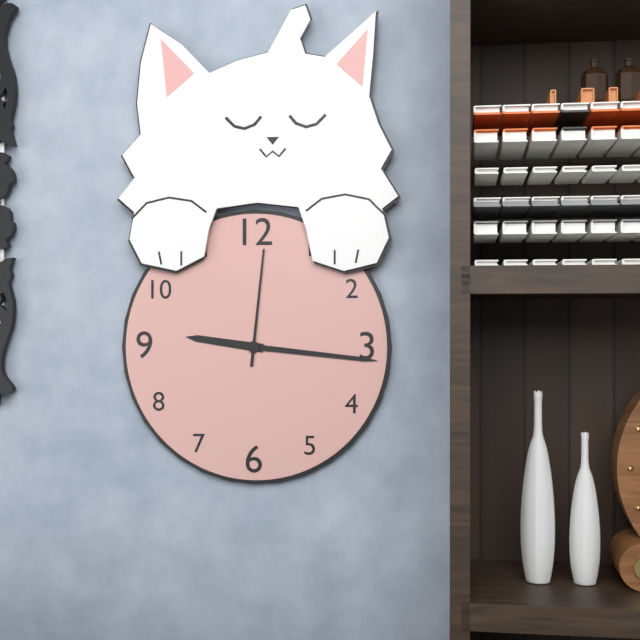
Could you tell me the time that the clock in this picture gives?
9:16:01
